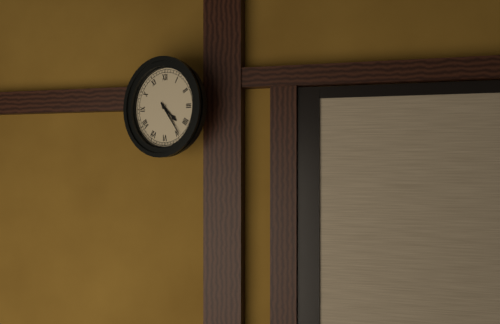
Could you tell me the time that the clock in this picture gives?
4:24
